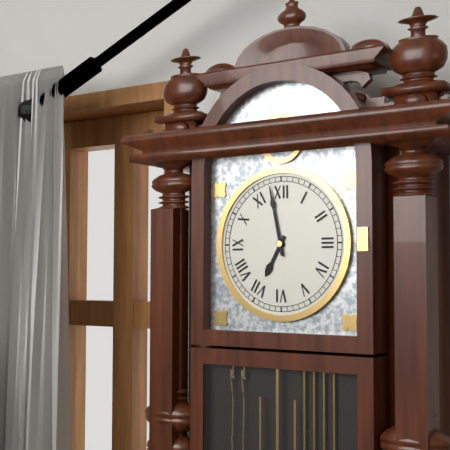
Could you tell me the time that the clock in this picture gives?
6:58
